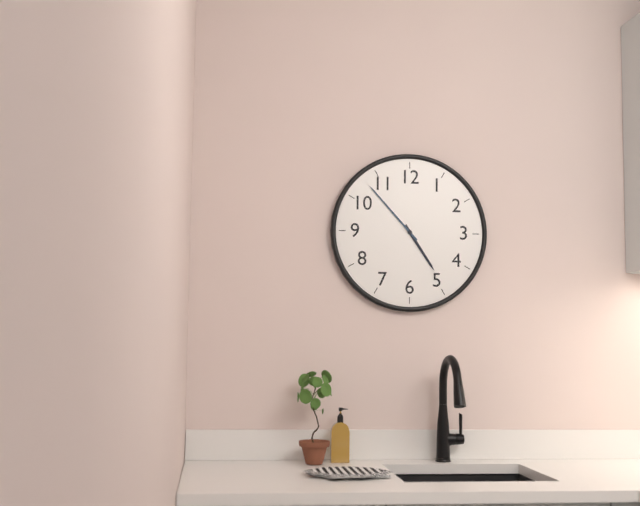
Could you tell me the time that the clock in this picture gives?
4:53
